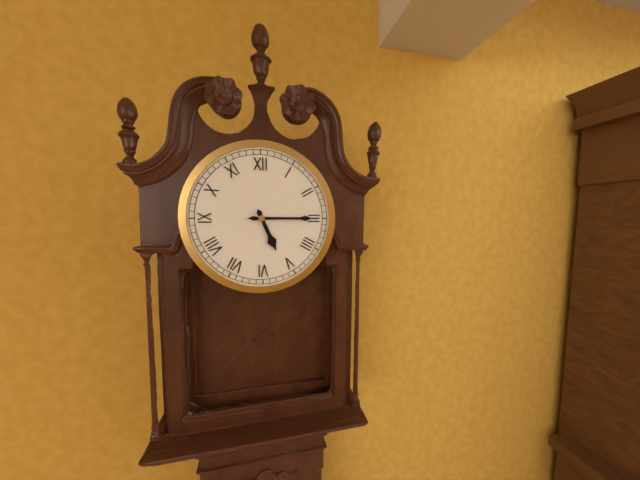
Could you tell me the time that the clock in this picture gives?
5:15
